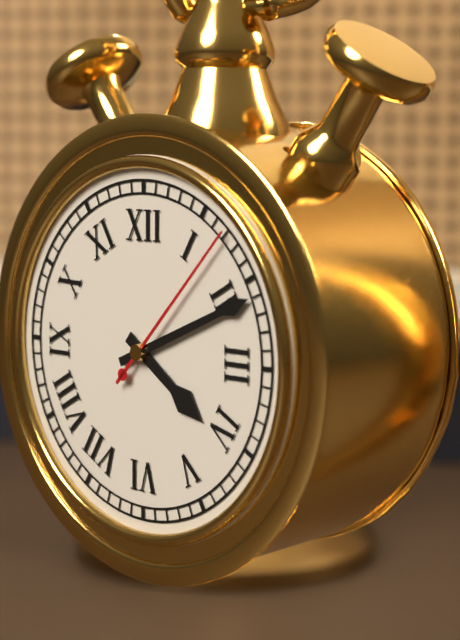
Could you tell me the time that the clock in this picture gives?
4:11:07
